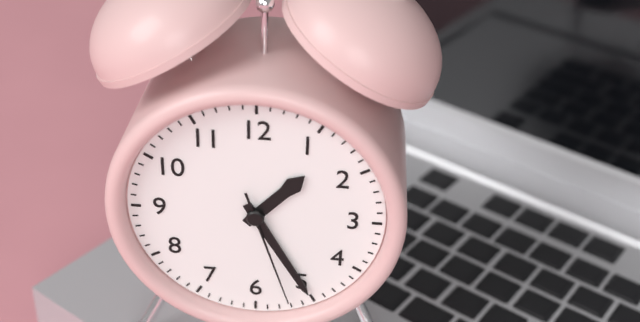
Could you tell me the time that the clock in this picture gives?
1:25:27
